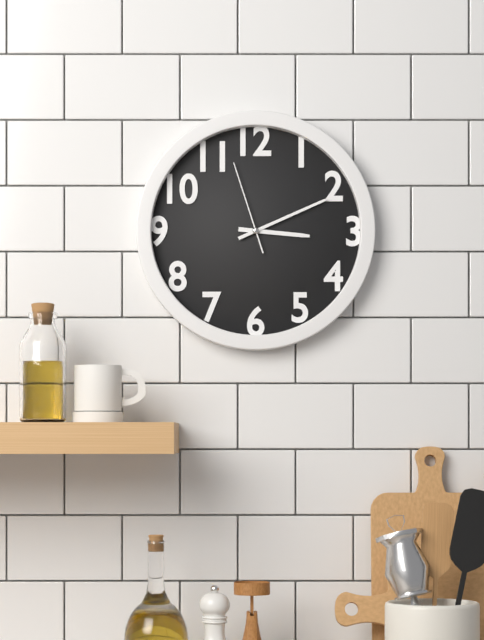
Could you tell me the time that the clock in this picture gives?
3:11:57
